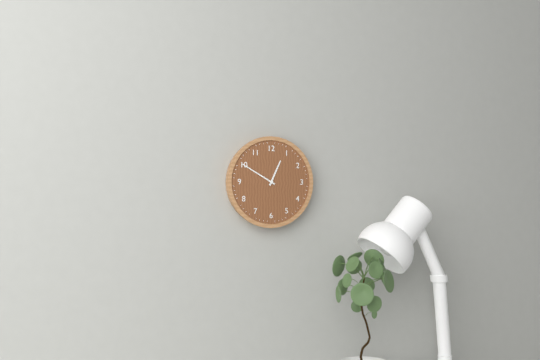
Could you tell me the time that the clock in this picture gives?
12:50
